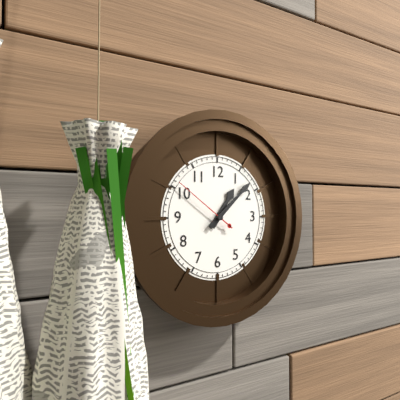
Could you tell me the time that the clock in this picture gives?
1:08:51
